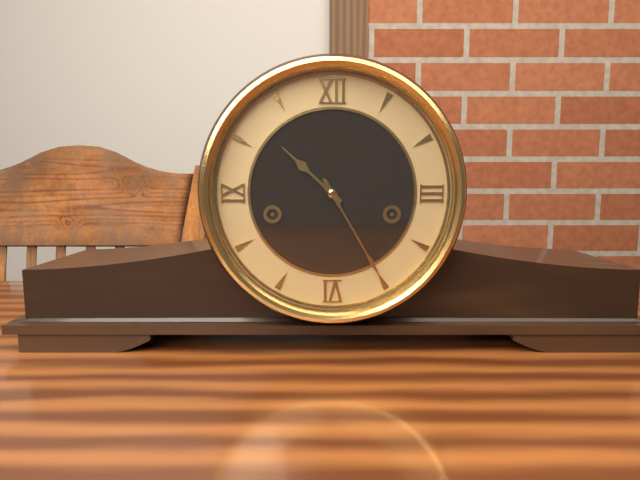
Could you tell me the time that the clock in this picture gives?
10:25
